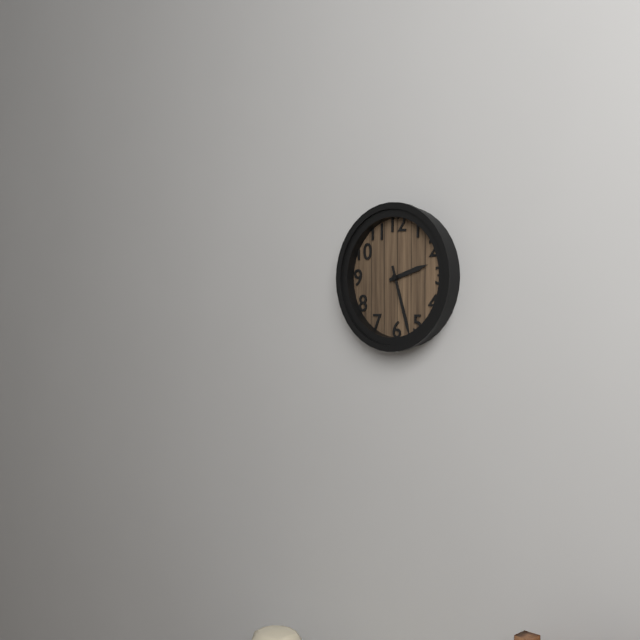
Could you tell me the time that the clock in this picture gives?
2:27
